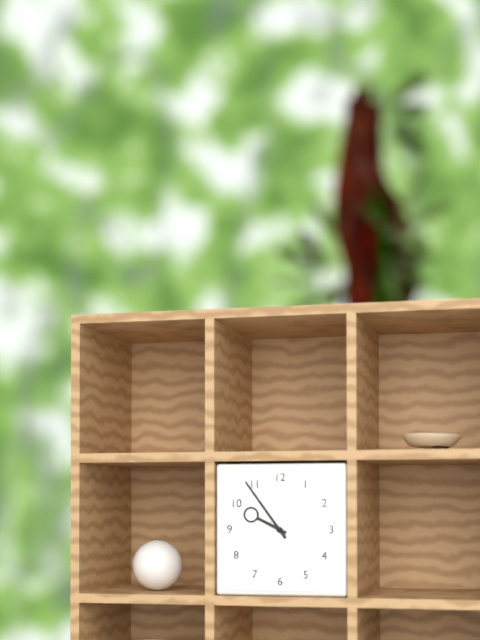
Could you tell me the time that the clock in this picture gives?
9:54
